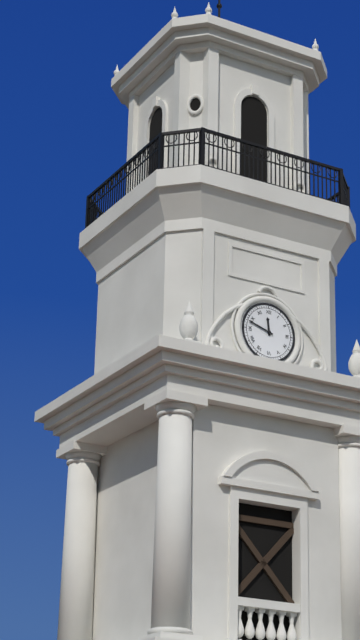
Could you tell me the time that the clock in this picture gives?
11:48
